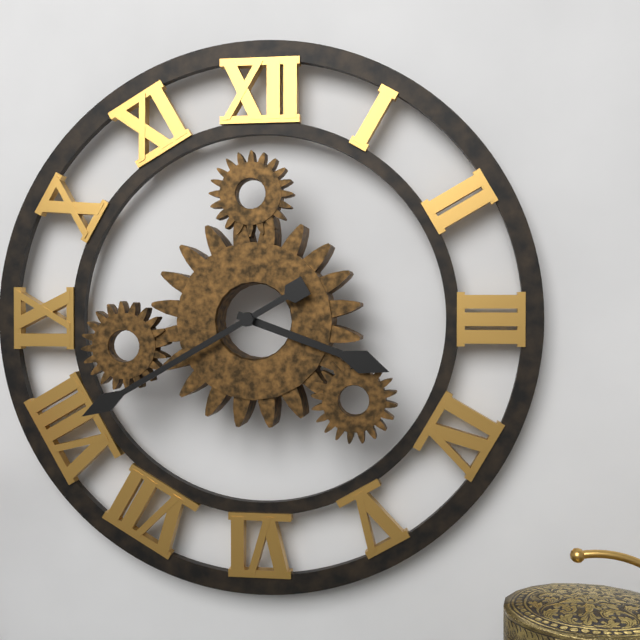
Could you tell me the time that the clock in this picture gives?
3:40
